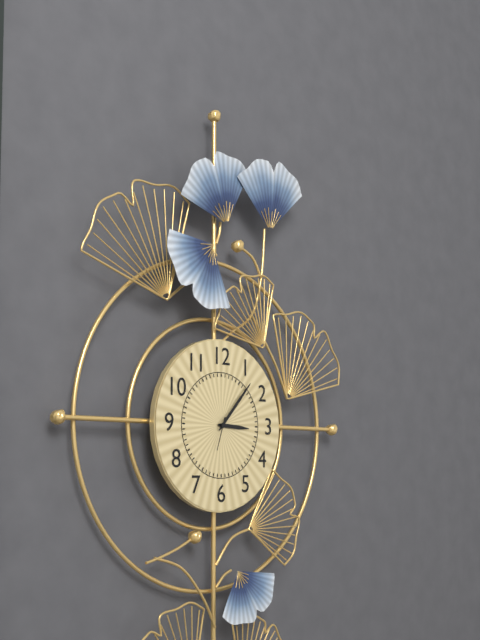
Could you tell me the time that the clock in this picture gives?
3:07
